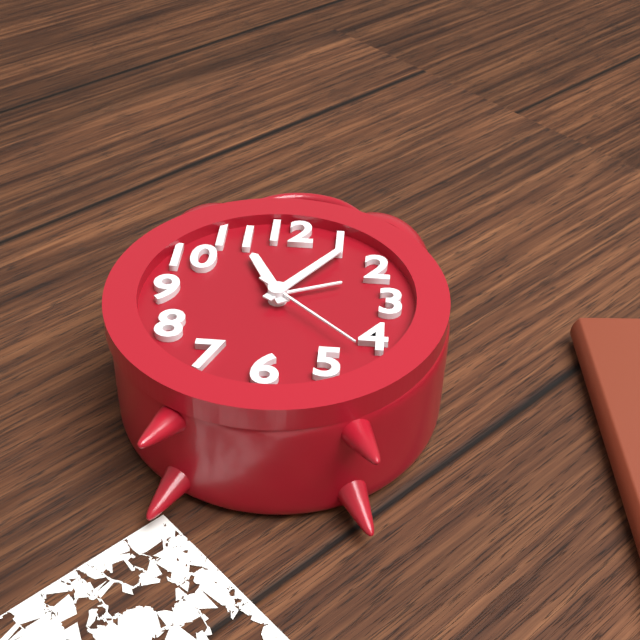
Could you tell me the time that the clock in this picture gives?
11:06:22
